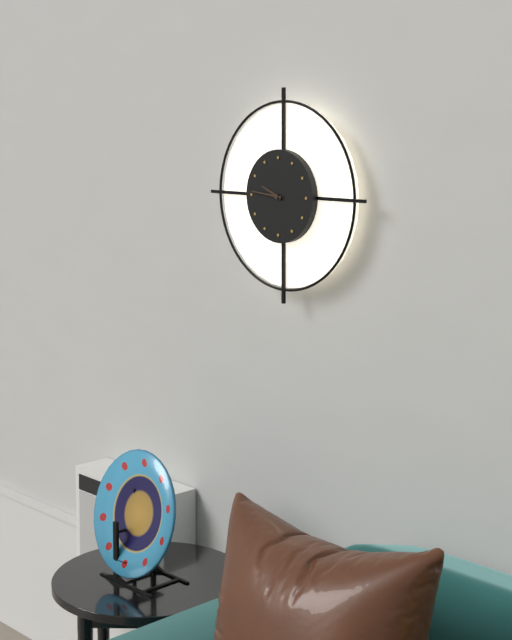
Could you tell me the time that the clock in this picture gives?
9:46
